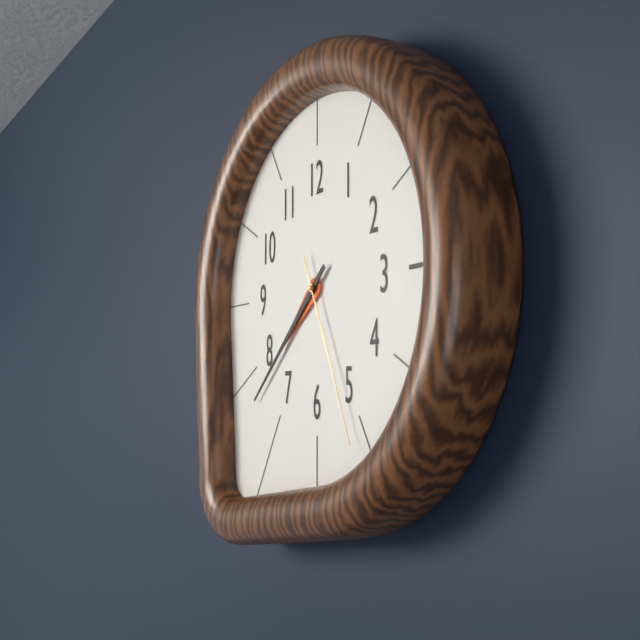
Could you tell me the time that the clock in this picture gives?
7:38:26
